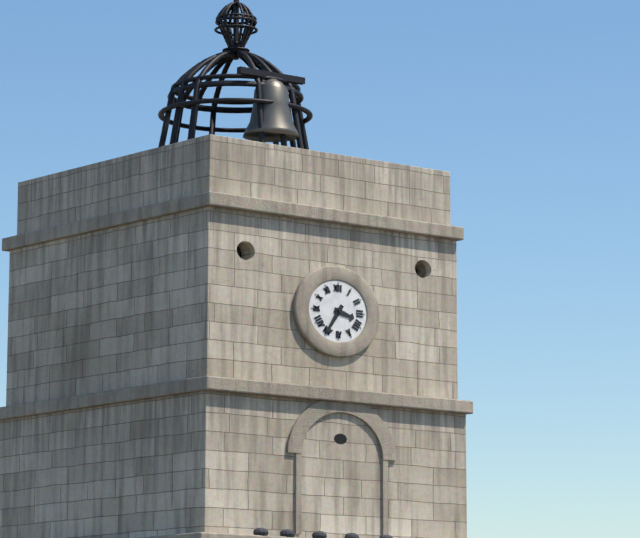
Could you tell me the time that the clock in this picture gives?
3:35
